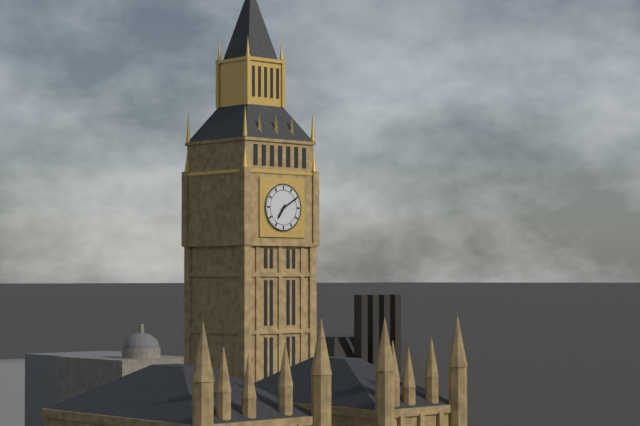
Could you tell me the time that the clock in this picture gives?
7:10
